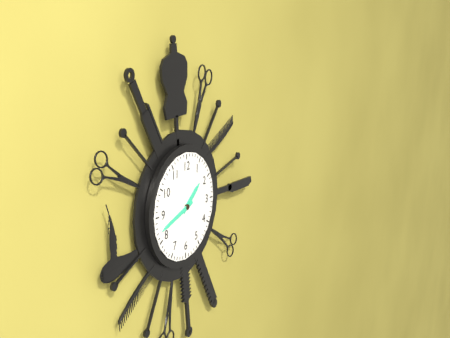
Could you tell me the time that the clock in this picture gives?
1:42
